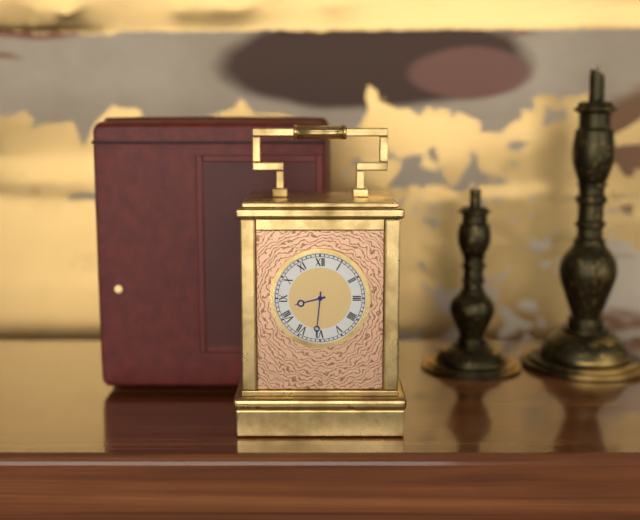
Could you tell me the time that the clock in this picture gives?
8:31
